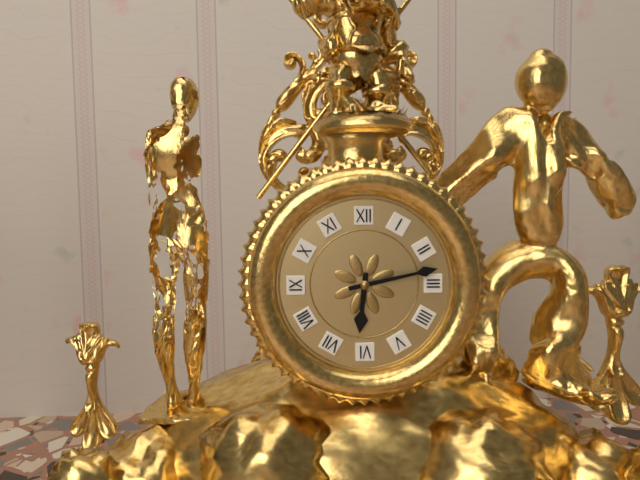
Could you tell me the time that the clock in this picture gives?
6:13
